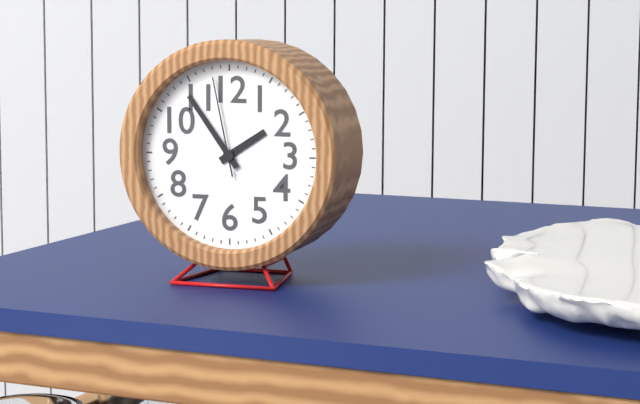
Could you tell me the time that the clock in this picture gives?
1:54:58
